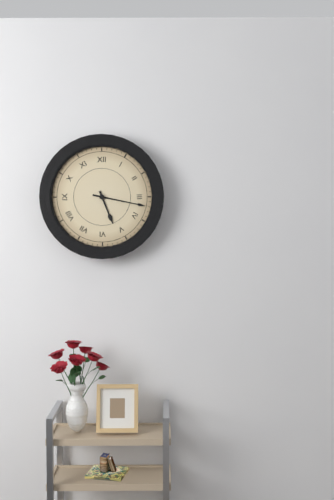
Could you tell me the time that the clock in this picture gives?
5:17
